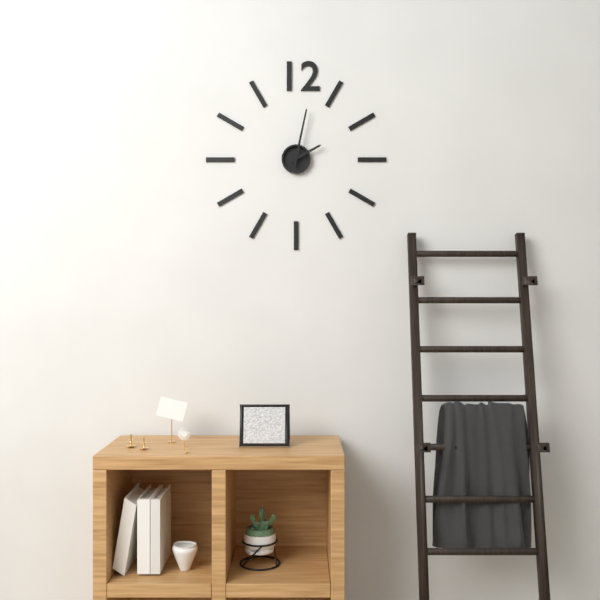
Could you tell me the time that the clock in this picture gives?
2:02
